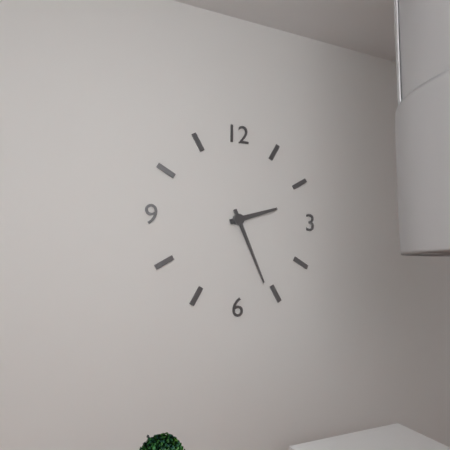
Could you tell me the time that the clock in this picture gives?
2:26
